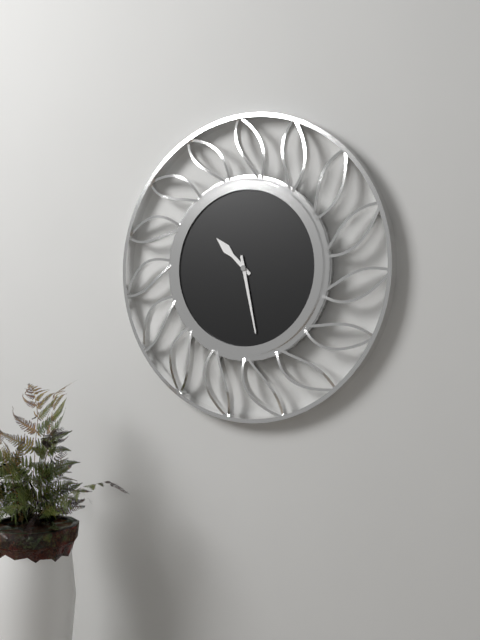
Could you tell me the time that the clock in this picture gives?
10:28
